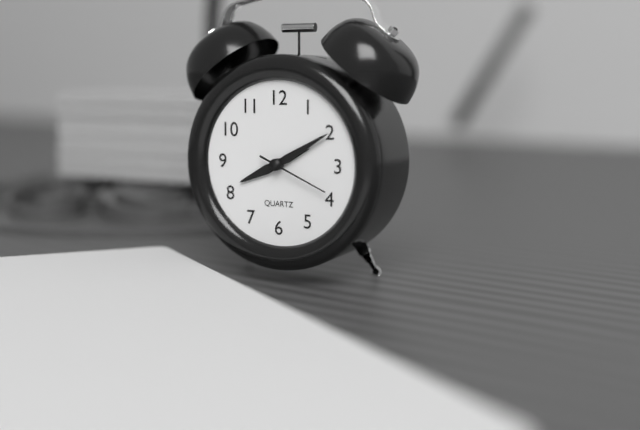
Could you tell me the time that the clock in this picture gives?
8:10:19
